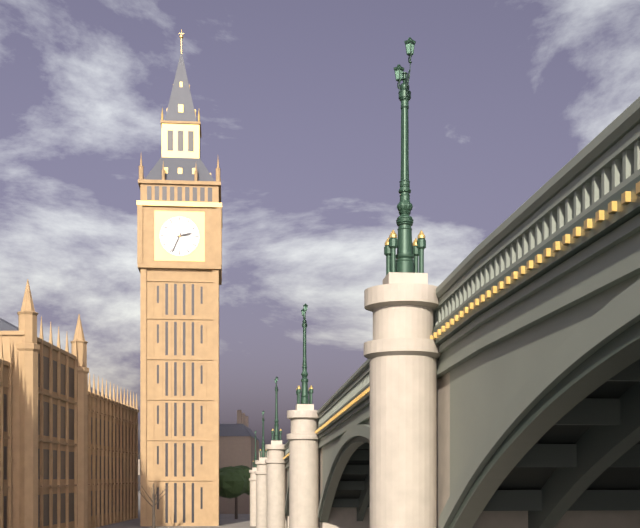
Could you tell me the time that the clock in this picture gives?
2:34
